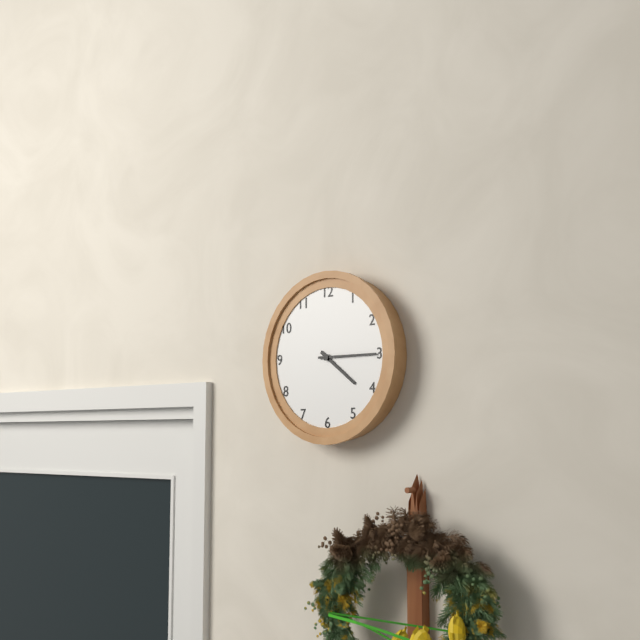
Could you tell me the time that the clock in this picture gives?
4:15
